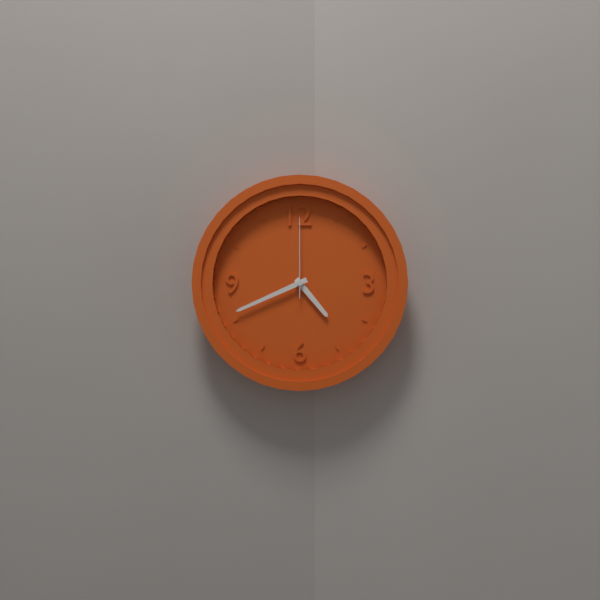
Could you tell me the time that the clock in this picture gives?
4:41:00
